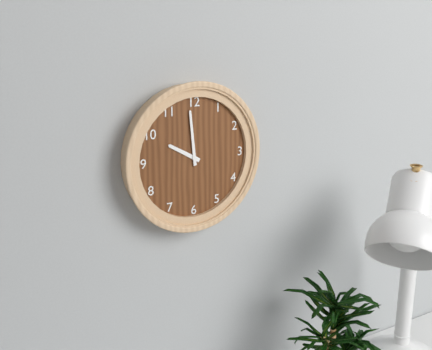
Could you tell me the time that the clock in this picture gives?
9:59
